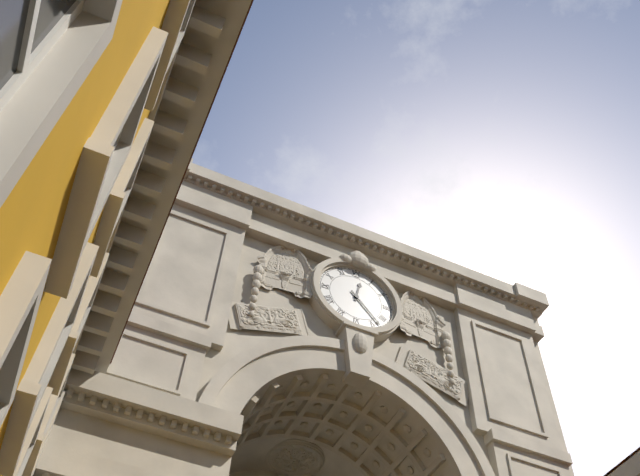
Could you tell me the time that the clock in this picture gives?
12:23
